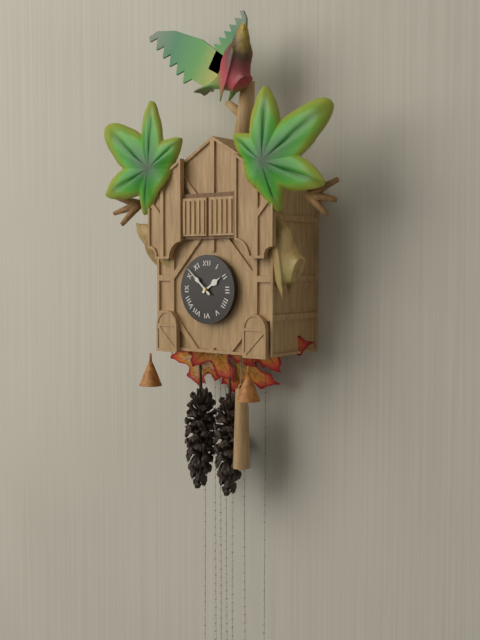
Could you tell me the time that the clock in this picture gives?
1:52
